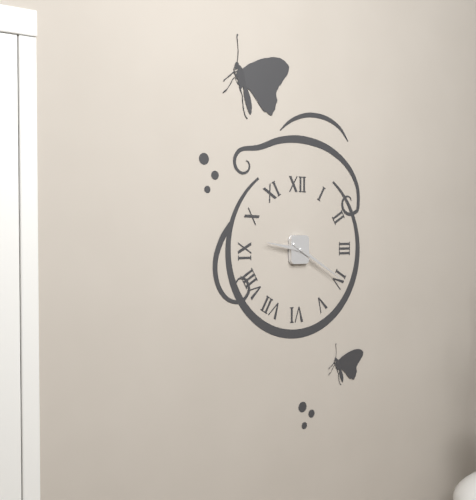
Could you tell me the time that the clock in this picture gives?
9:20
